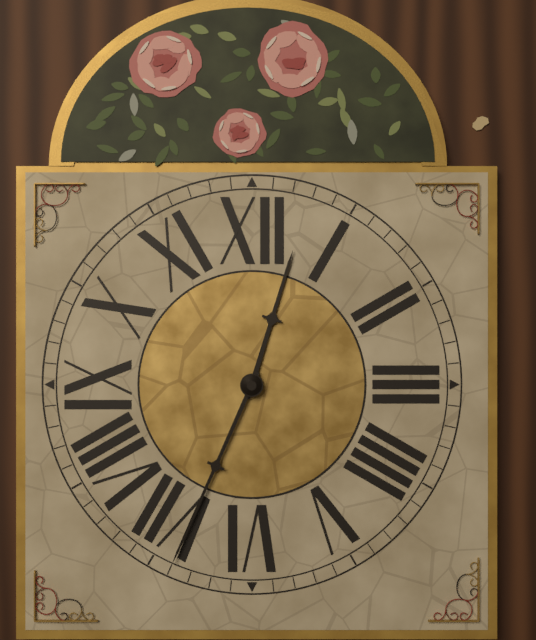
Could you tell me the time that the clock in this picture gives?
12:34
